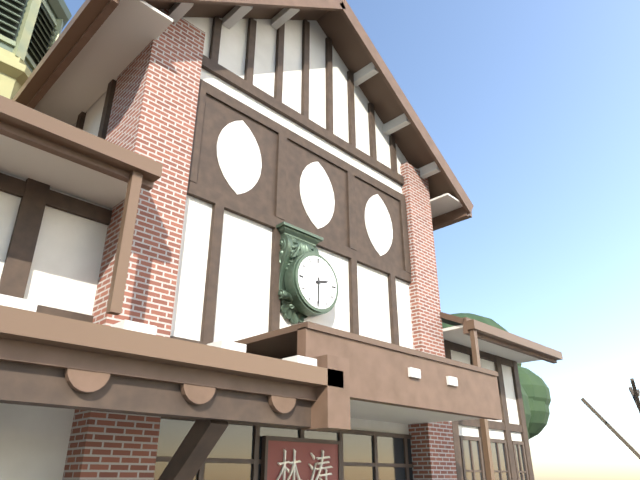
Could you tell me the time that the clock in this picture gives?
2:30
